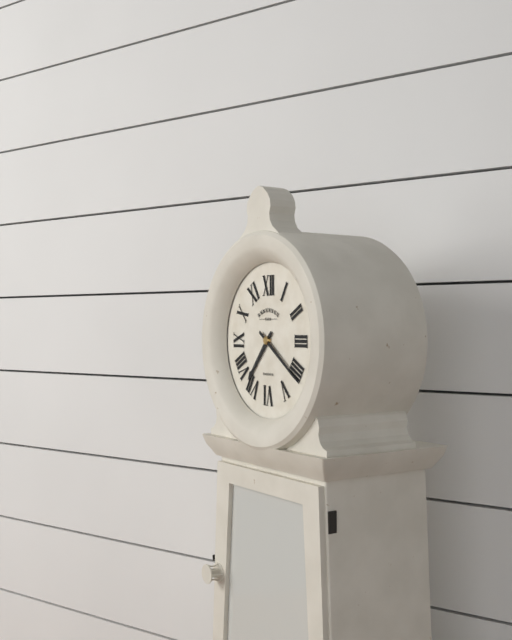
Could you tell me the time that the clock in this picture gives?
7:21
